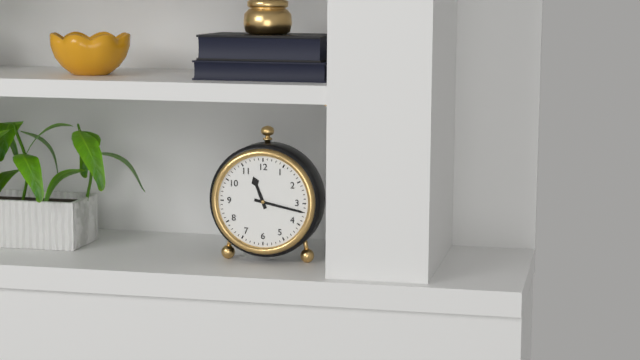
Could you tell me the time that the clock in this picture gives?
11:17
